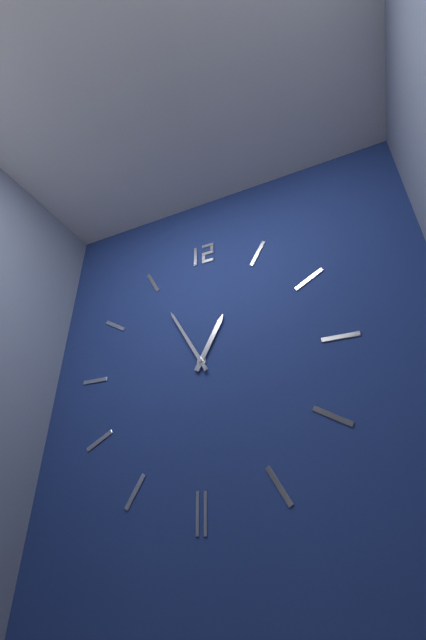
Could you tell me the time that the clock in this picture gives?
12:55
